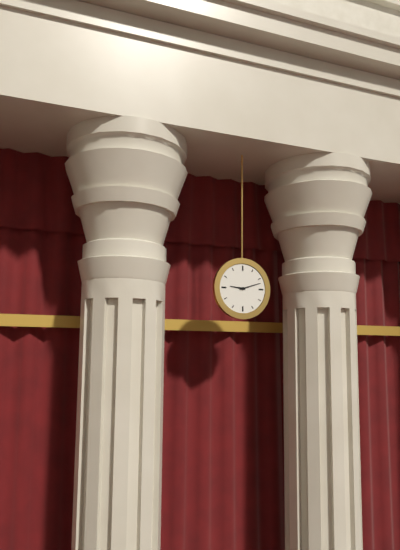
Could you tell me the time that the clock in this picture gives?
9:12
